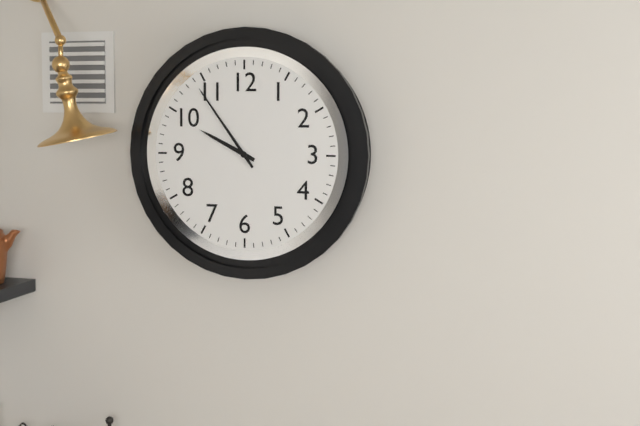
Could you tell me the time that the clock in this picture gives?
9:54
